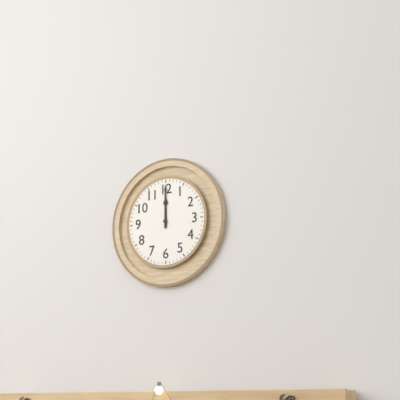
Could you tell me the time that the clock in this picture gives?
12:00
